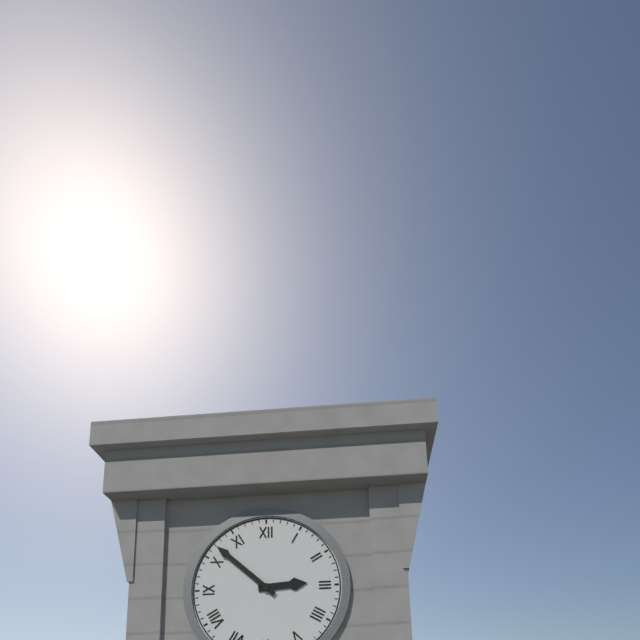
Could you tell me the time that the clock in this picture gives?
2:52
